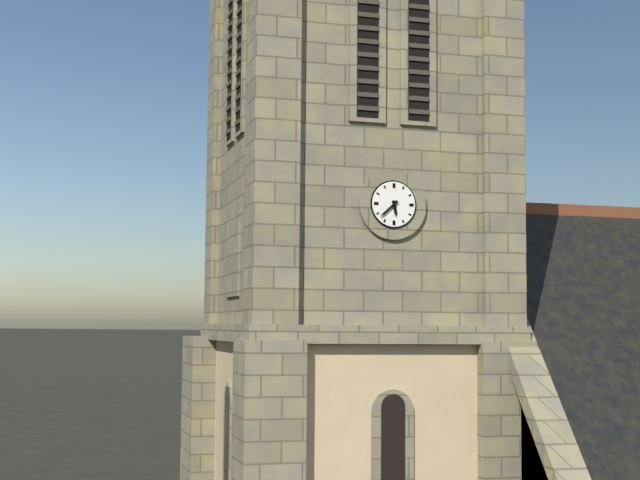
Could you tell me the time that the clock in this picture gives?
5:38
